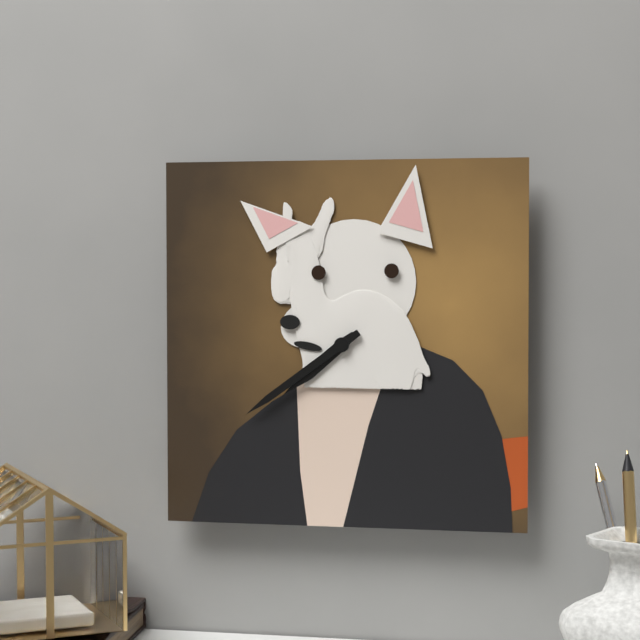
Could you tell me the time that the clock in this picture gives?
7:39
